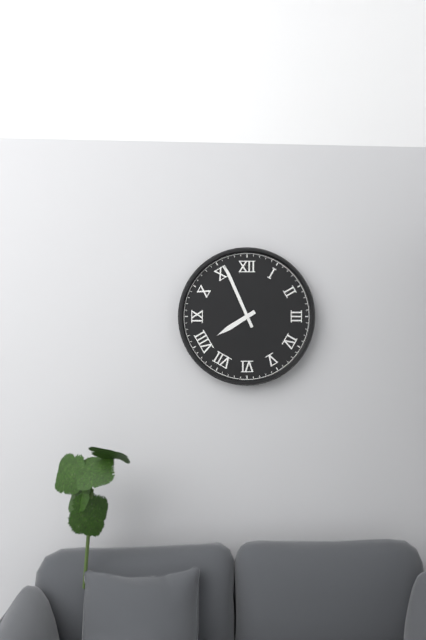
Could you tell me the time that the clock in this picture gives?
7:56
